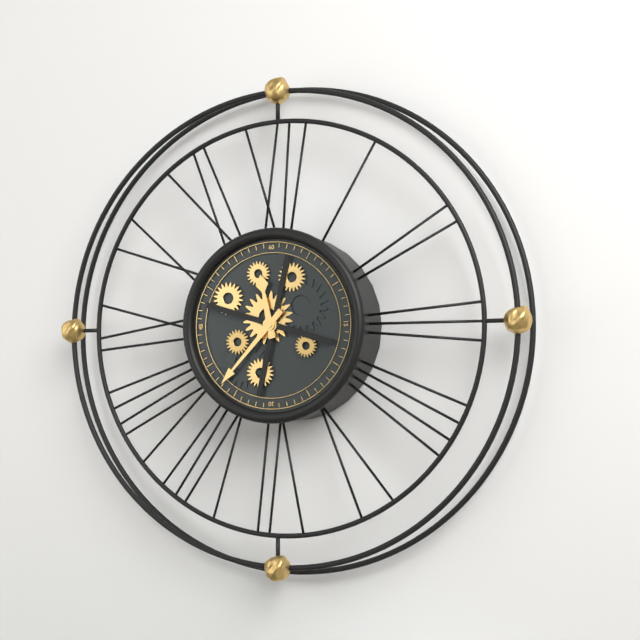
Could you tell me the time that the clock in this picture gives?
11:37
